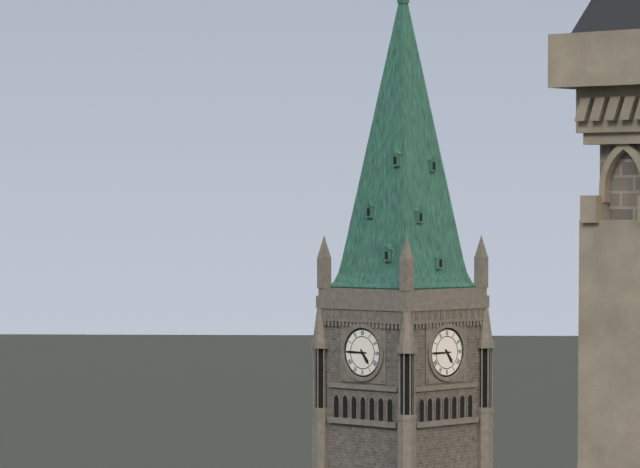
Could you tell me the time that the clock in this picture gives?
4:45
